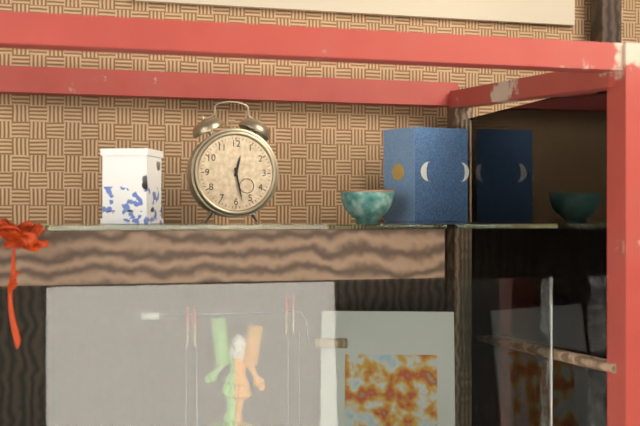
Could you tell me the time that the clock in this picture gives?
12:28
